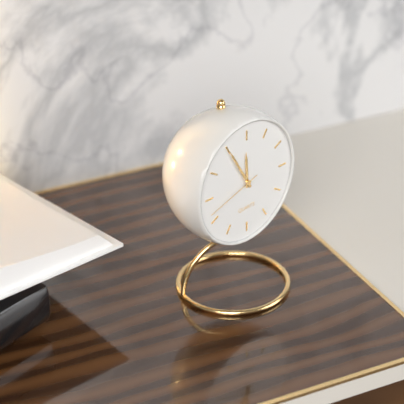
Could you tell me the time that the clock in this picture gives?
11:55:42
